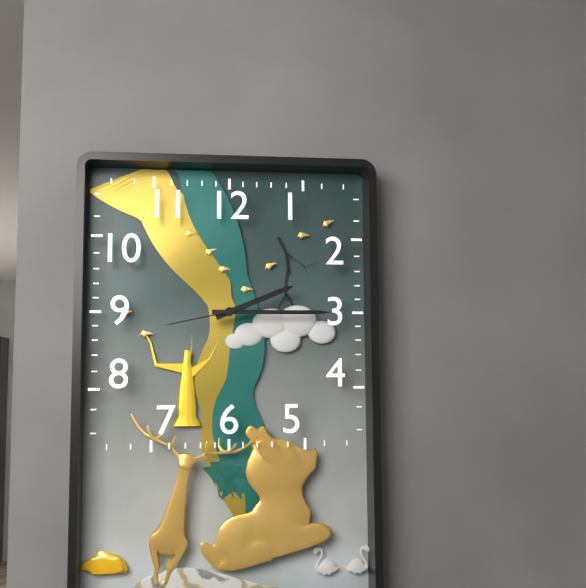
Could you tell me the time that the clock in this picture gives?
2:15:43
